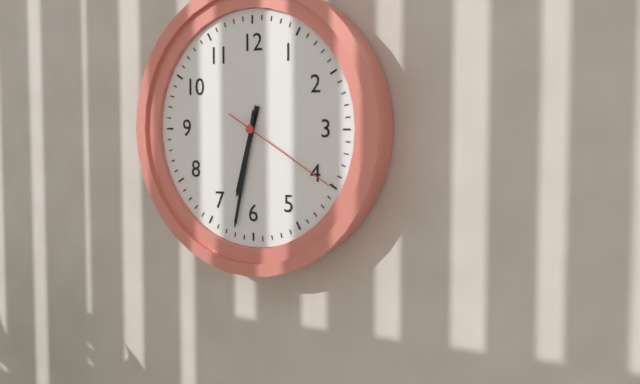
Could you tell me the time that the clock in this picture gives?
6:32:20
